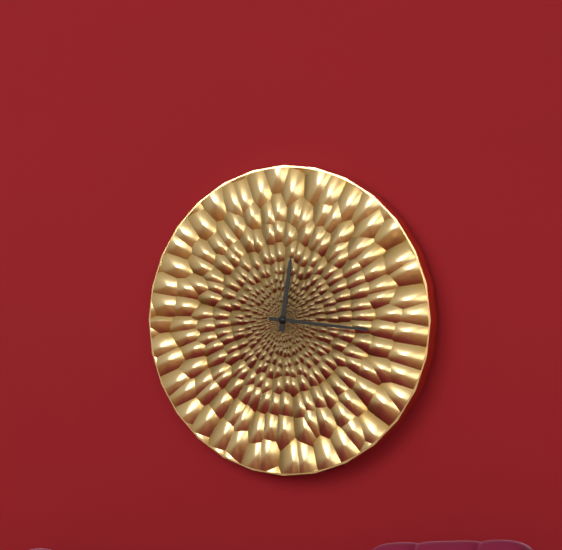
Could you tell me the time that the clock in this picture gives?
12:16
